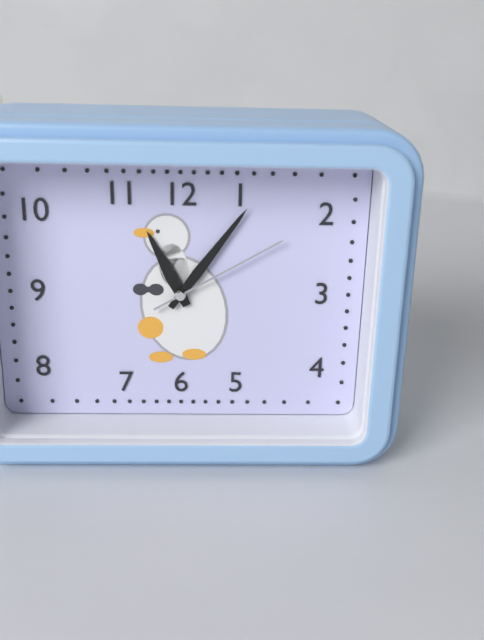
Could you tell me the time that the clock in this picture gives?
11:06:10
